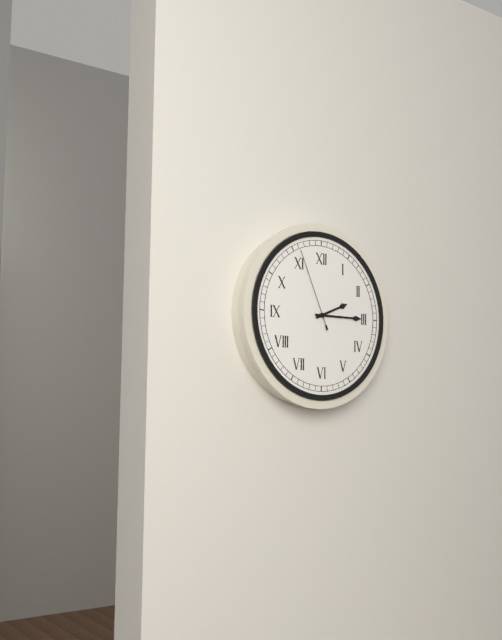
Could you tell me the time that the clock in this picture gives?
2:15:56
